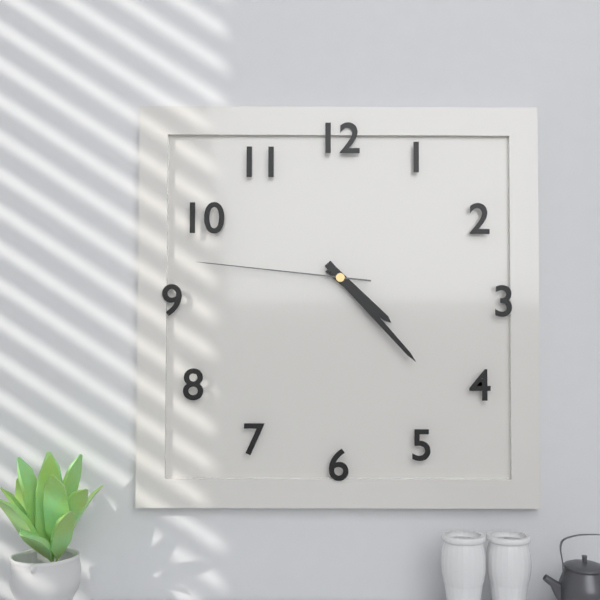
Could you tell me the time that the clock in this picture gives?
4:23:46
